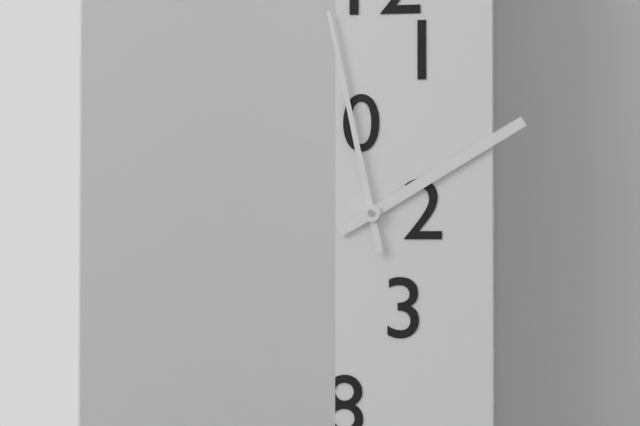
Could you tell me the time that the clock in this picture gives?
1:58
